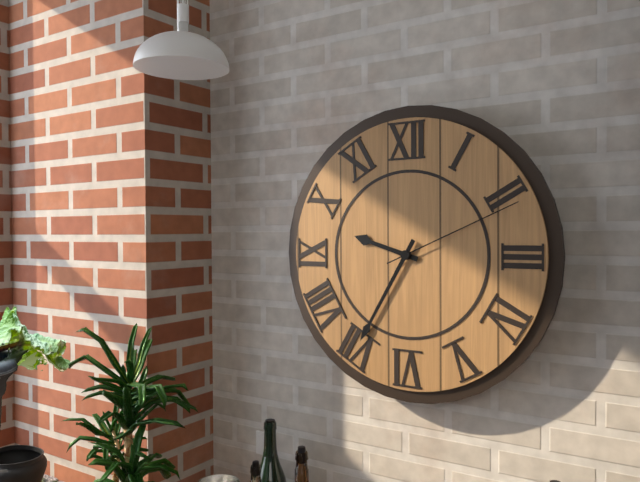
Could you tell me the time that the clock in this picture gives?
9:35:11
